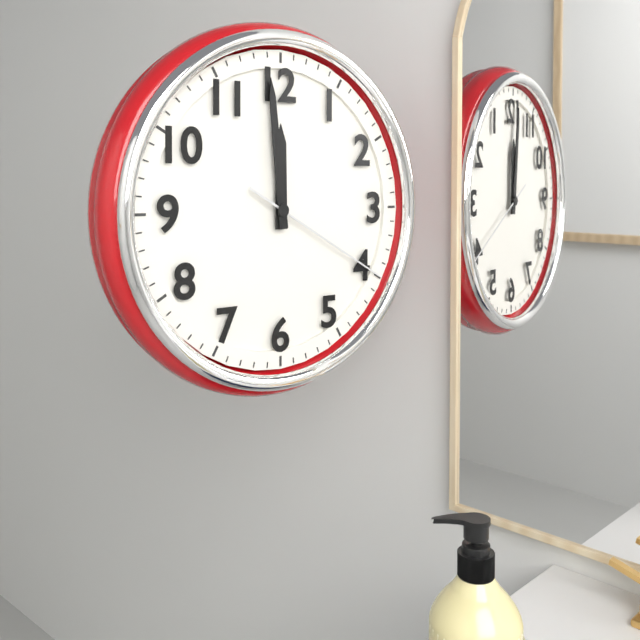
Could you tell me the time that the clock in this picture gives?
11:59:20
